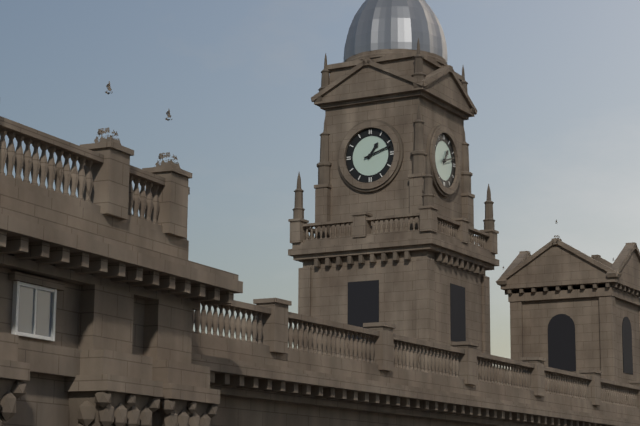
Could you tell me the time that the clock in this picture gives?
1:12
